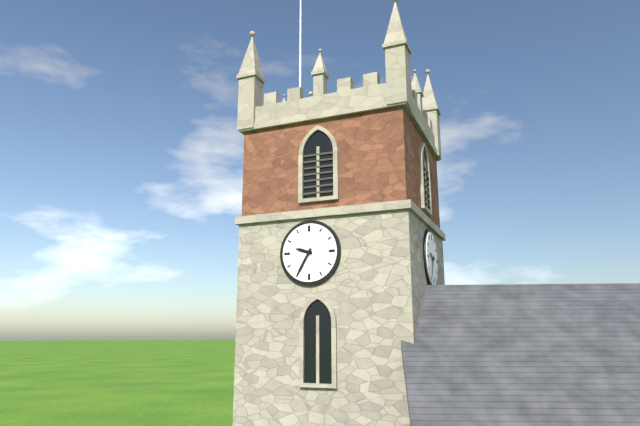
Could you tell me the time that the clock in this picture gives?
9:35
